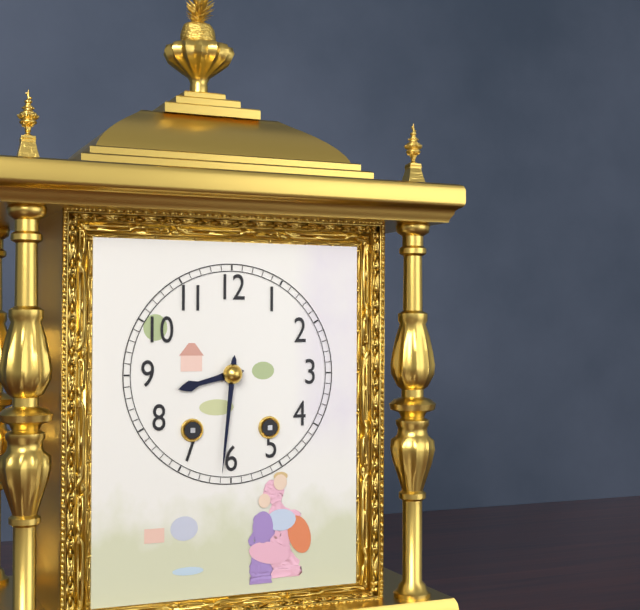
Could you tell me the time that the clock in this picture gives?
8:31
